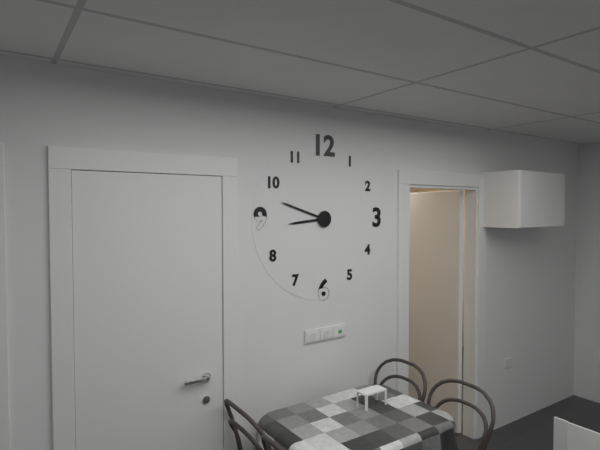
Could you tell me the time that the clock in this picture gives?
8:48
